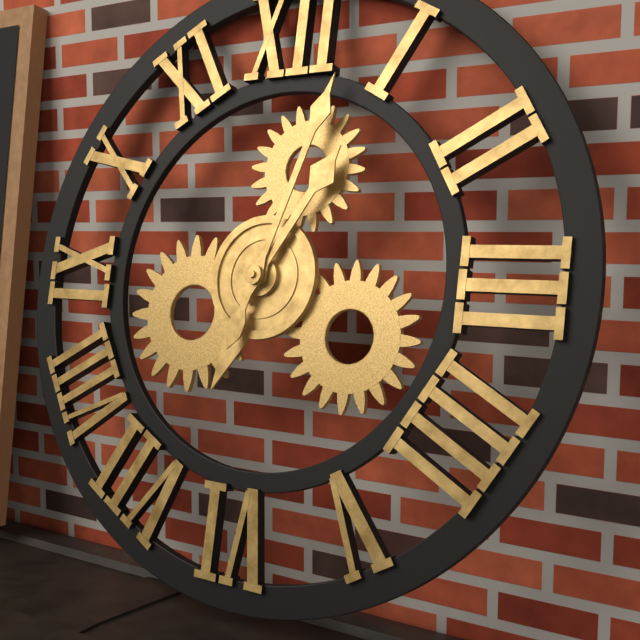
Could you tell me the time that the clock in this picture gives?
1:03
